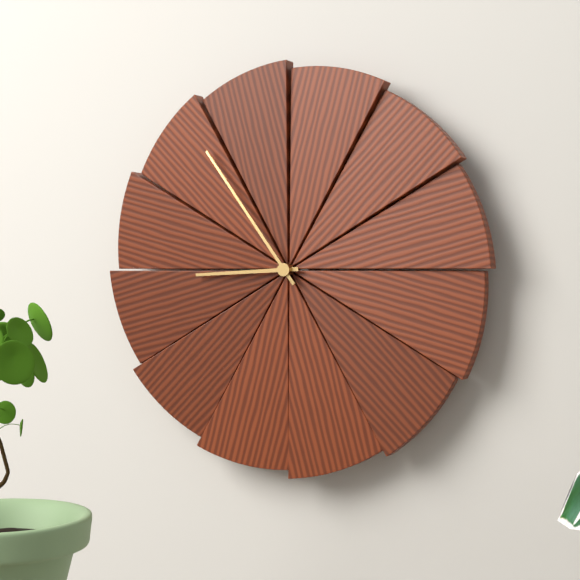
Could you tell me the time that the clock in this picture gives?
8:54
